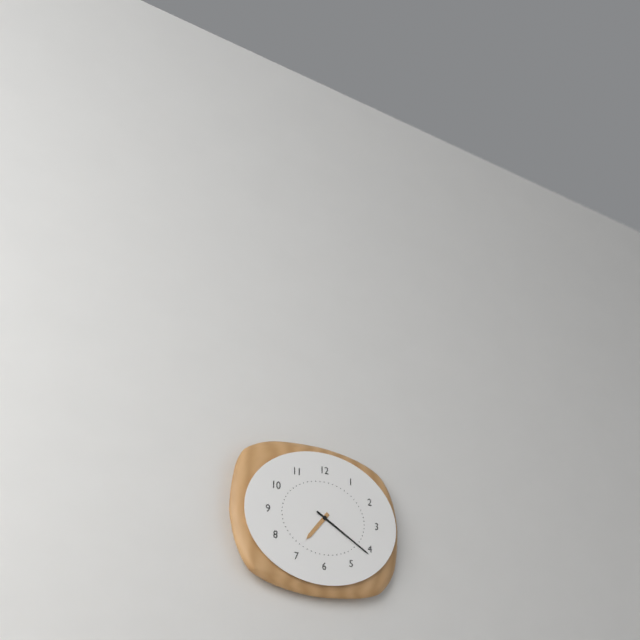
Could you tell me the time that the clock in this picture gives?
7:20
